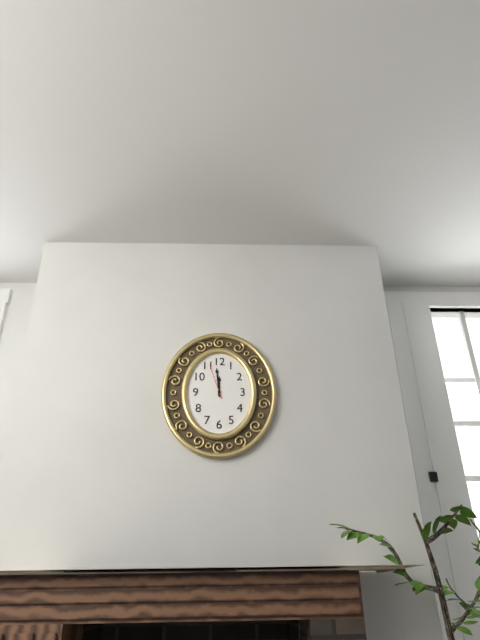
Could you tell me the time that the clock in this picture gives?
11:59
